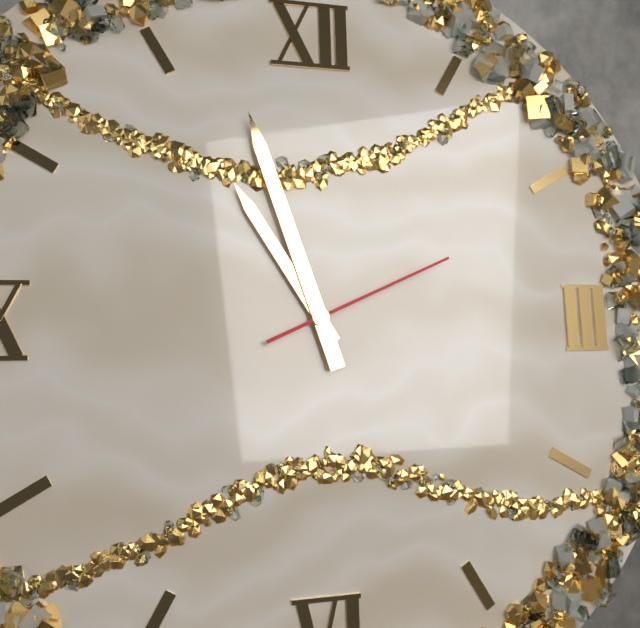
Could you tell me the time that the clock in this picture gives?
10:57:11
